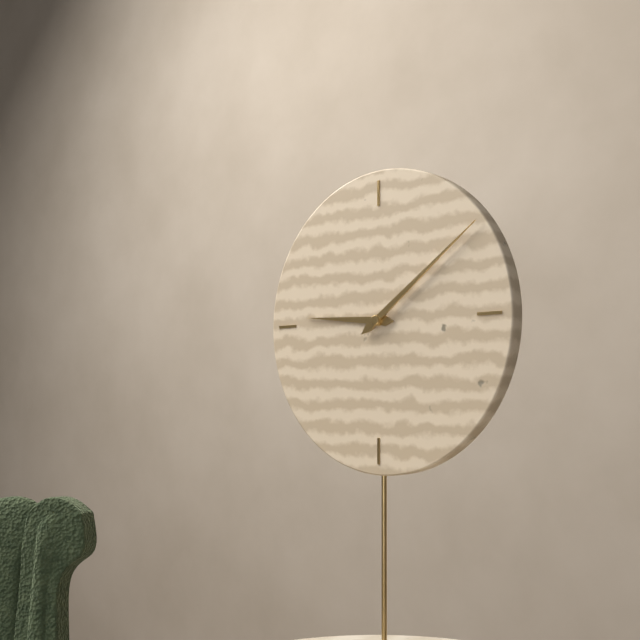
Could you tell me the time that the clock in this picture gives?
9:09
